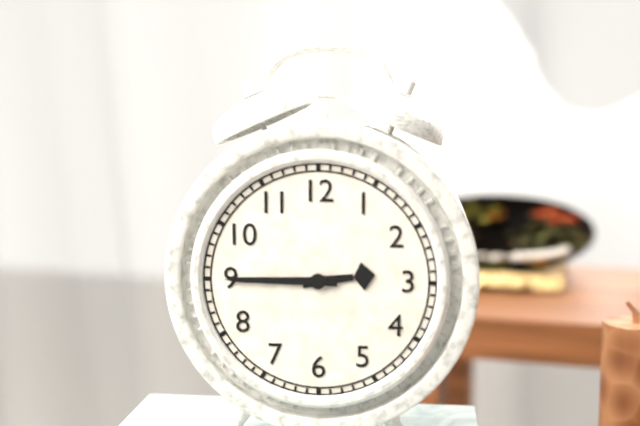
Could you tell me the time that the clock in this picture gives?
2:45
